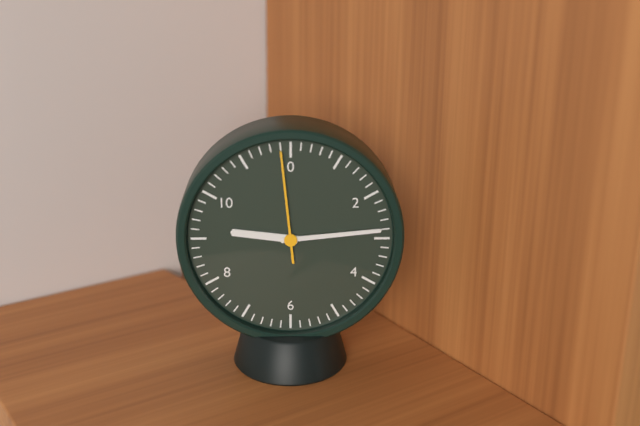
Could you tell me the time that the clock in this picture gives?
9:14:59
